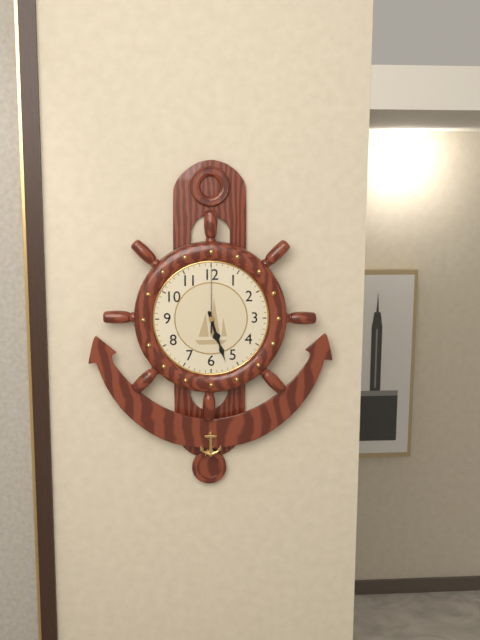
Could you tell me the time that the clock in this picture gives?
5:27:00
